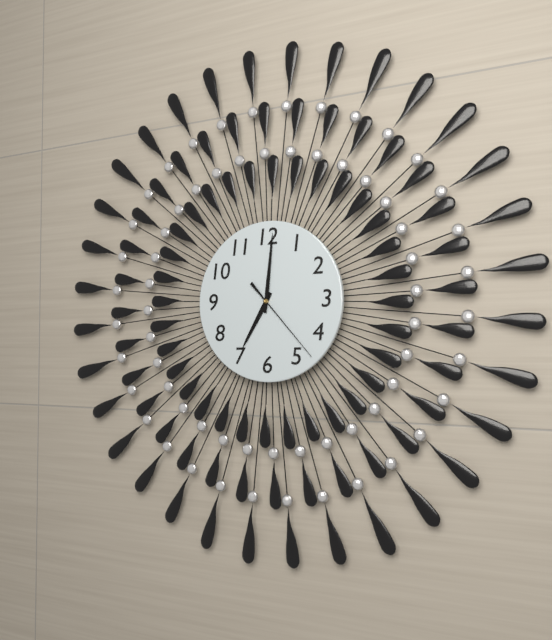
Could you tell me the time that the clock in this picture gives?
7:01:23
